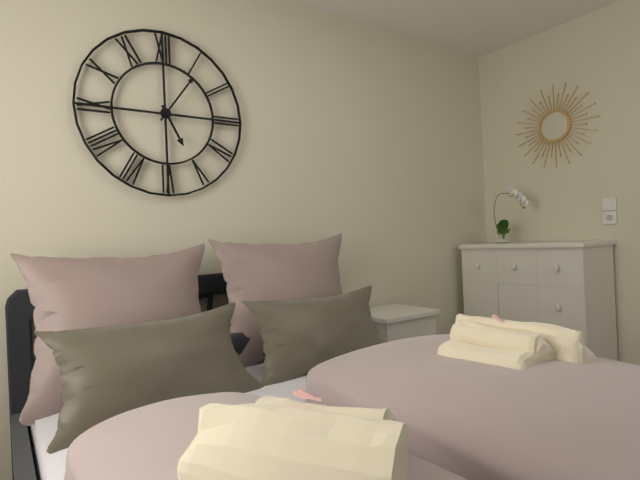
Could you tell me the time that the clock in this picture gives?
5:06
